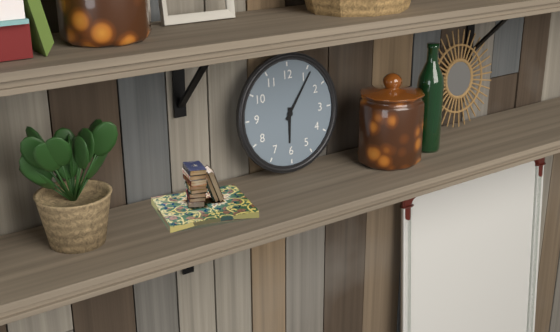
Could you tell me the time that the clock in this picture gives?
6:06
